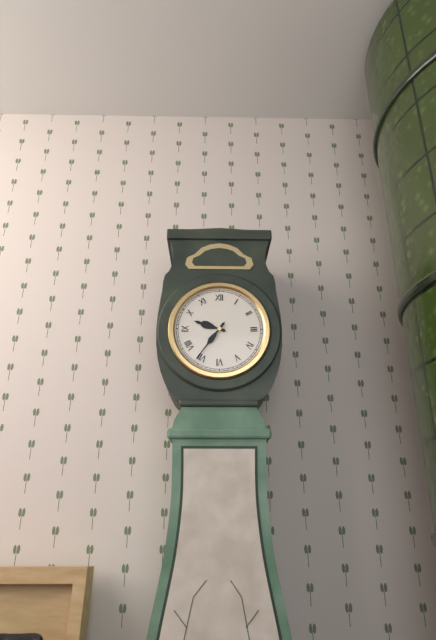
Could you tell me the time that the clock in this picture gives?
9:36
